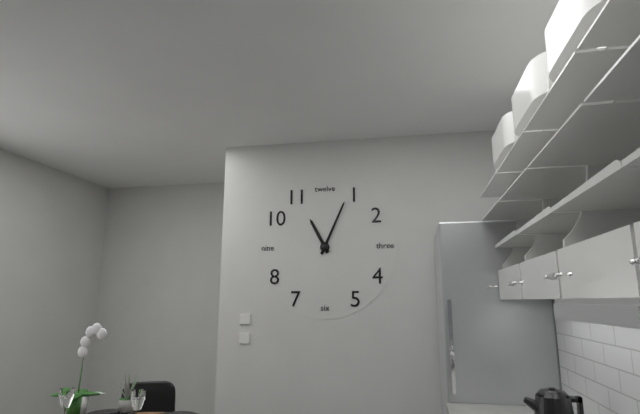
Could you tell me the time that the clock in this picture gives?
11:04
